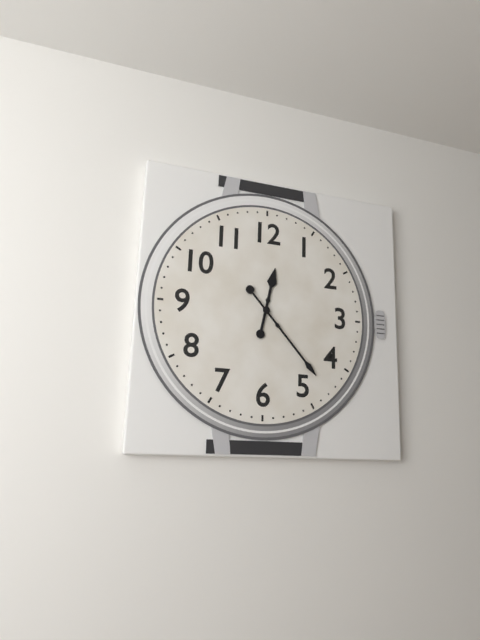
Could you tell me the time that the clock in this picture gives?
12:23
